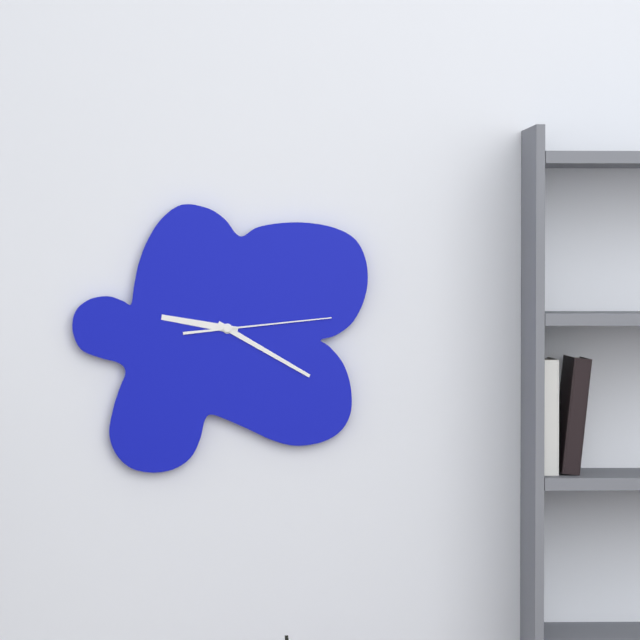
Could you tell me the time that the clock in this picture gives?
9:20:14
